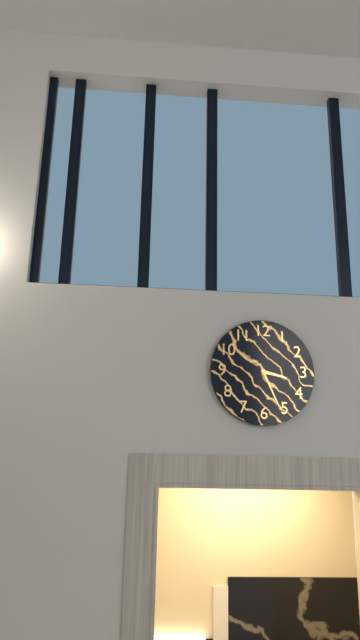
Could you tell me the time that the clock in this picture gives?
3:26
